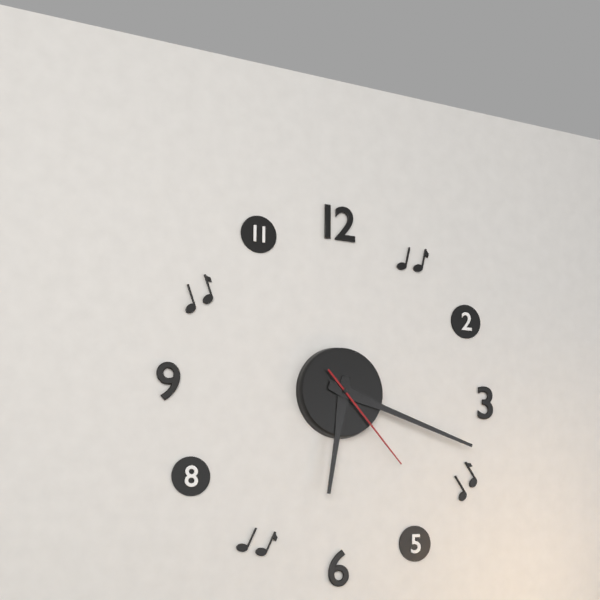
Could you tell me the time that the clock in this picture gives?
6:18:23
